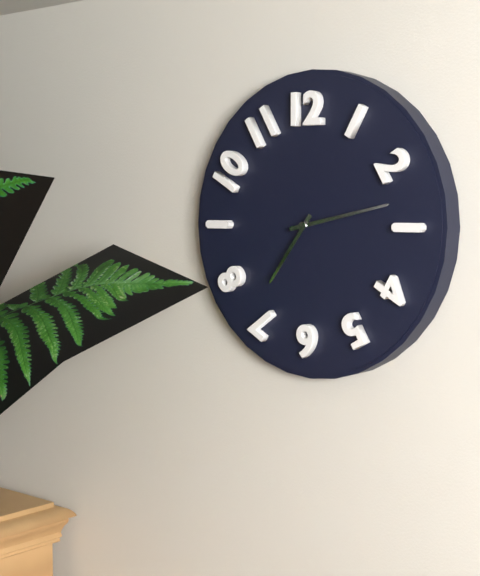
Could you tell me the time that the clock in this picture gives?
7:13
